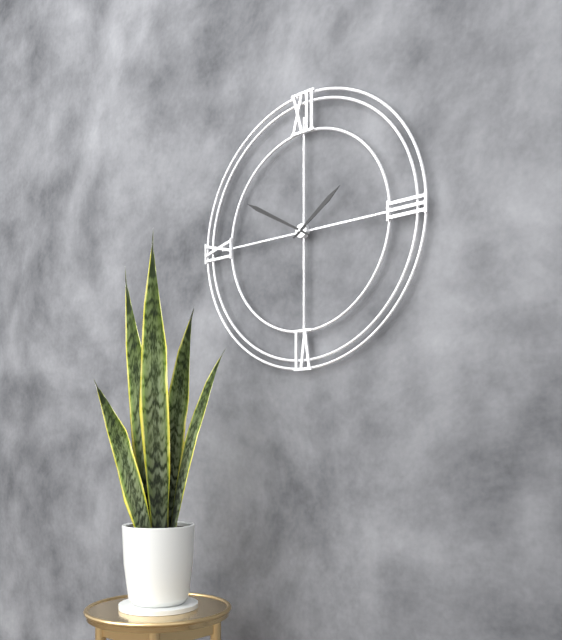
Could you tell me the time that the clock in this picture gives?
1:50
